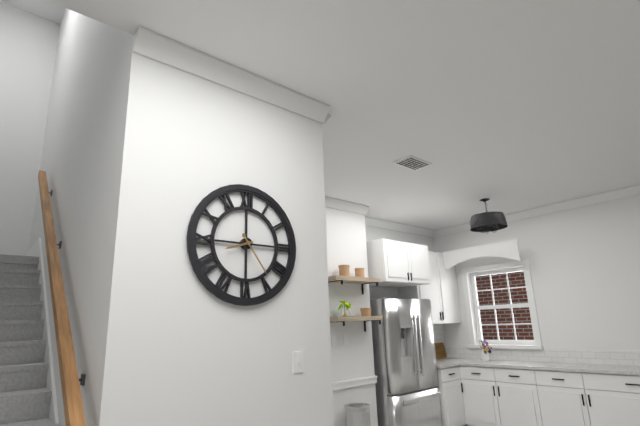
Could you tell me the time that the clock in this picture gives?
8:24
